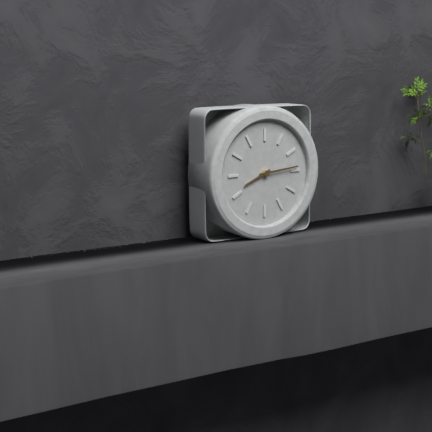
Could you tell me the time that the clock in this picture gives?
8:14
